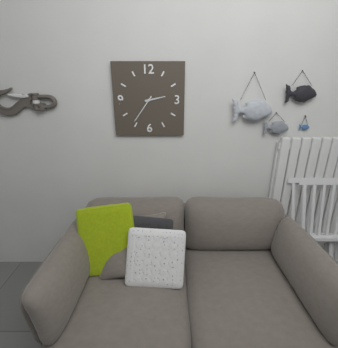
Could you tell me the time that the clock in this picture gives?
2:36
